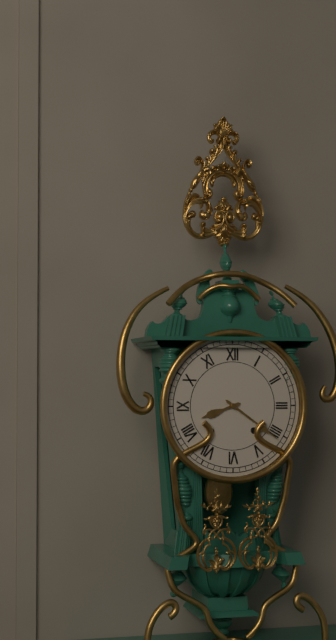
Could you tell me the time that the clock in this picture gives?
8:21
